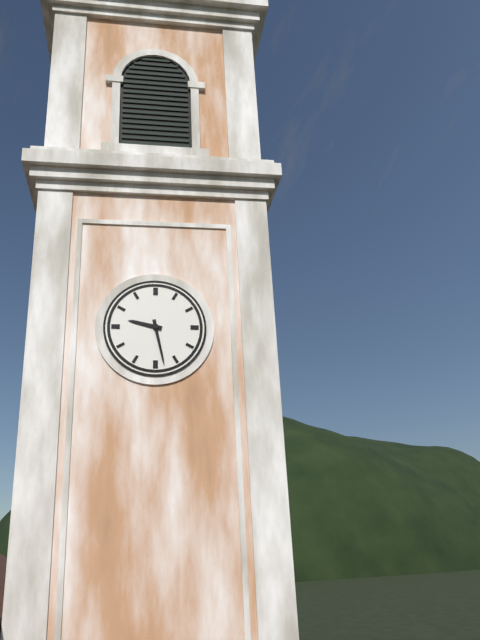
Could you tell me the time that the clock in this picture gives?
9:28
